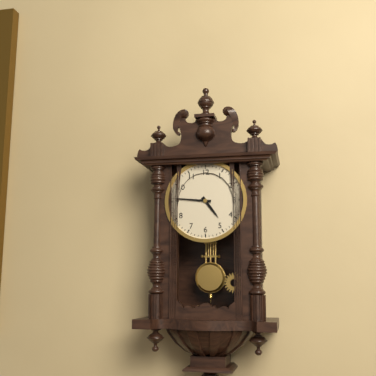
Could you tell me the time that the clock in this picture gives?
4:46
